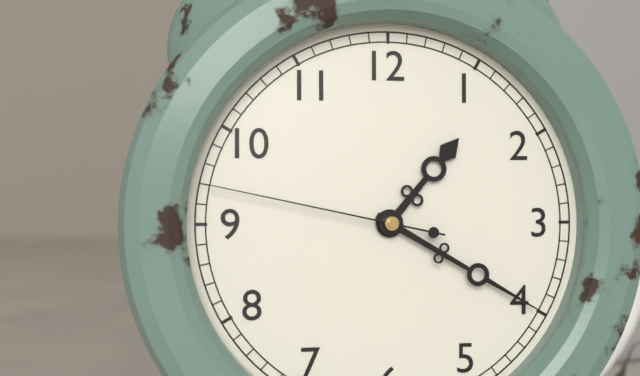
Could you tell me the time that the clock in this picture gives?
1:20:47
